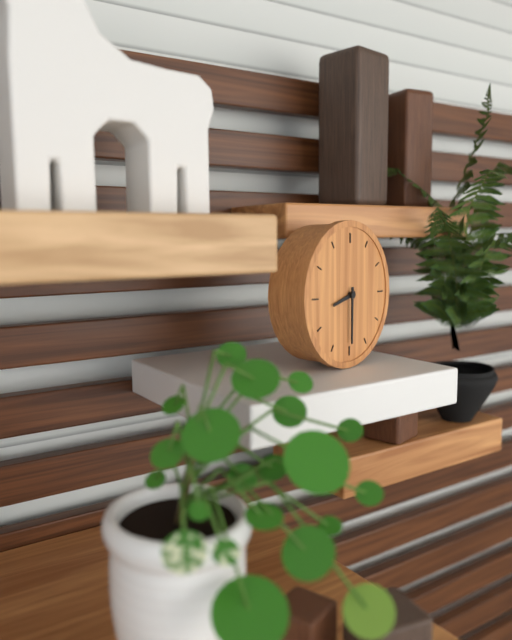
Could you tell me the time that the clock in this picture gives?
8:30
